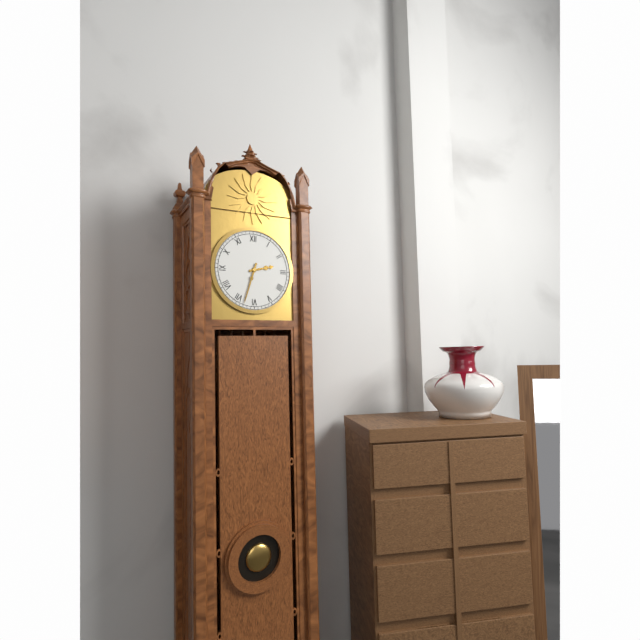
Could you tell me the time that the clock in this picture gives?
2:33
